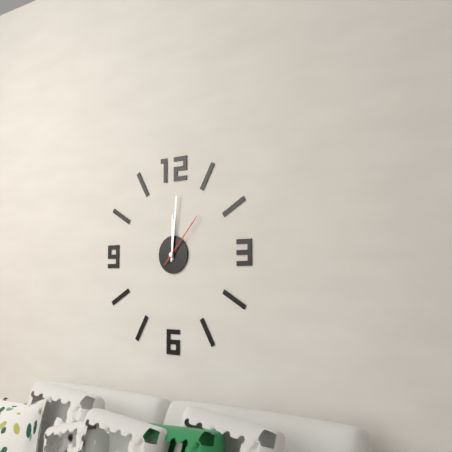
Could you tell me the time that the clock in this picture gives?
12:01:07
